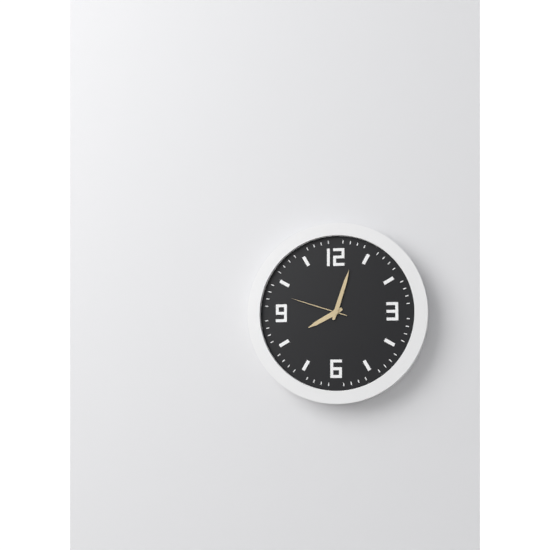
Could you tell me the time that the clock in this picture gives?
8:03:48
